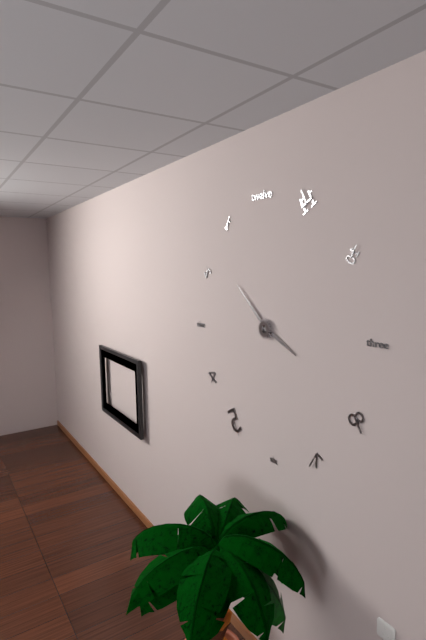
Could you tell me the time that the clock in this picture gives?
3:52
